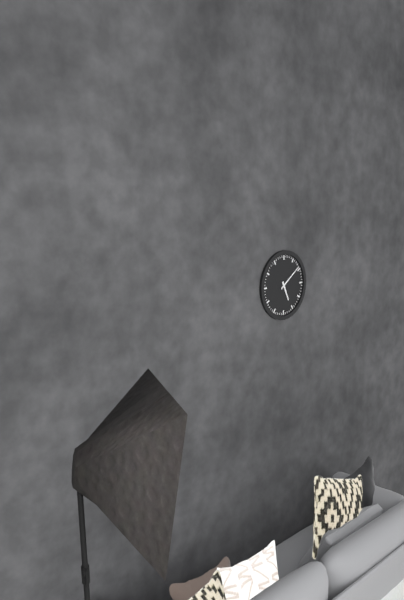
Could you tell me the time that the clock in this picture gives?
5:09
